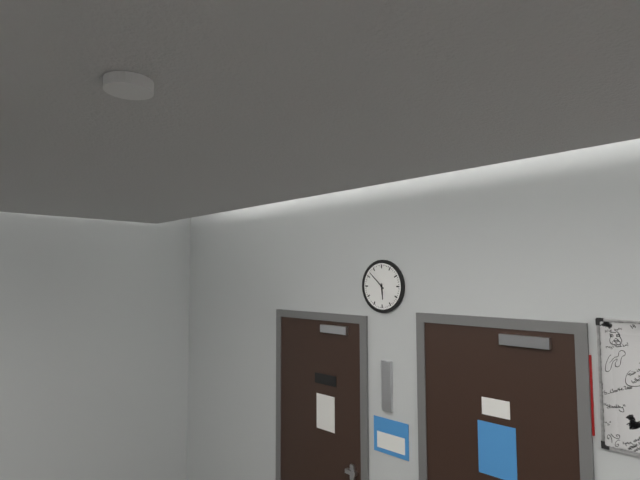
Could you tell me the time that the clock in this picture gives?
5:52
